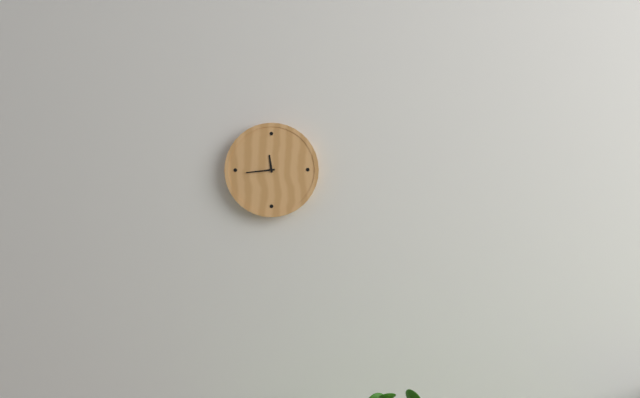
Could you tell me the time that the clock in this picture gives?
11:44
